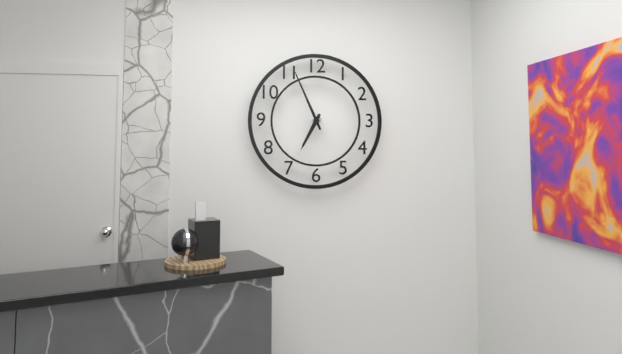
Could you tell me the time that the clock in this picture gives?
6:56
